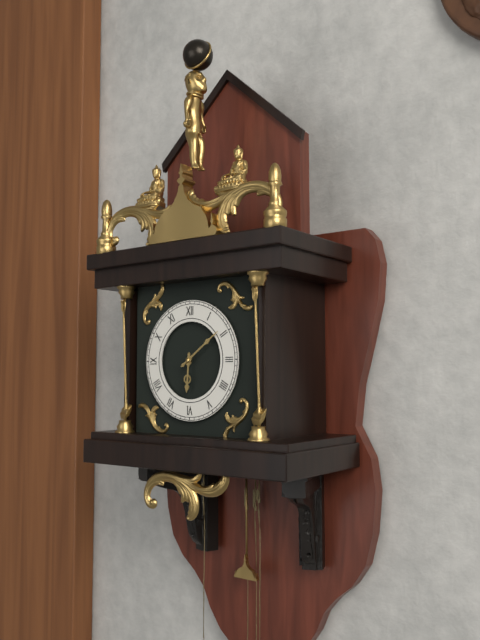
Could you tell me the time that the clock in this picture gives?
6:09
